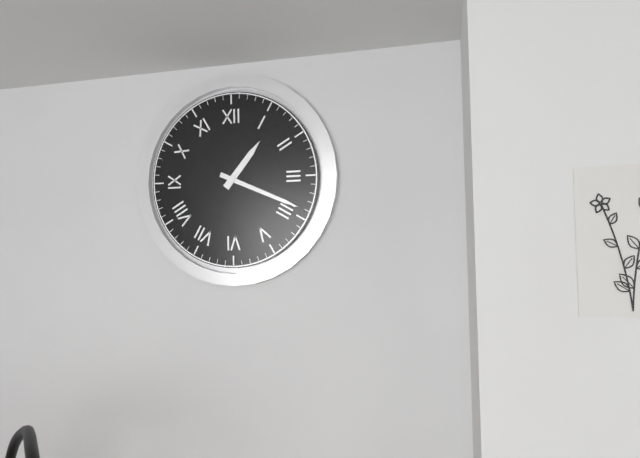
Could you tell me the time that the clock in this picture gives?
1:19
